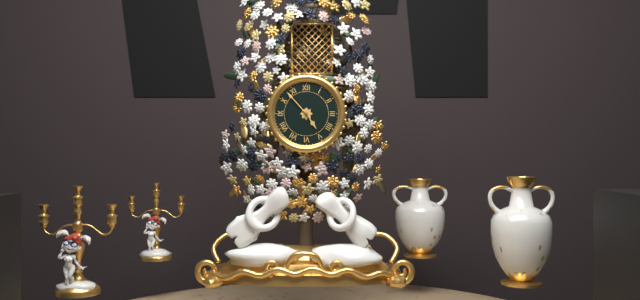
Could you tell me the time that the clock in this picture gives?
4:53
